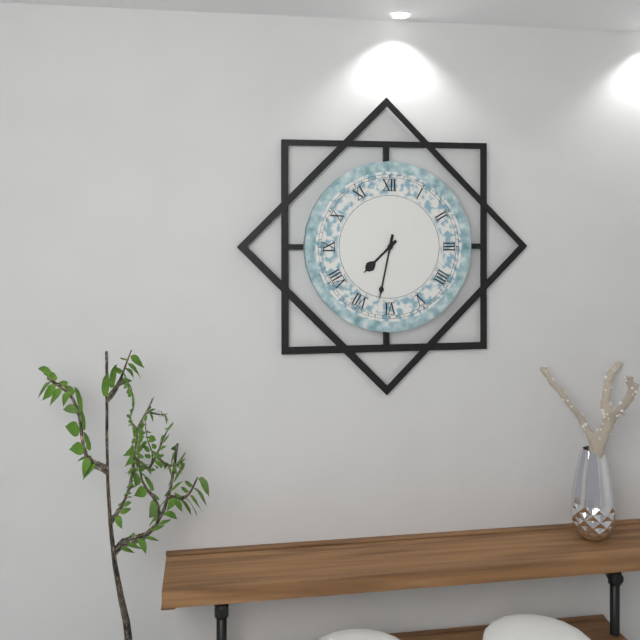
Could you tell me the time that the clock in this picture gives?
7:32
